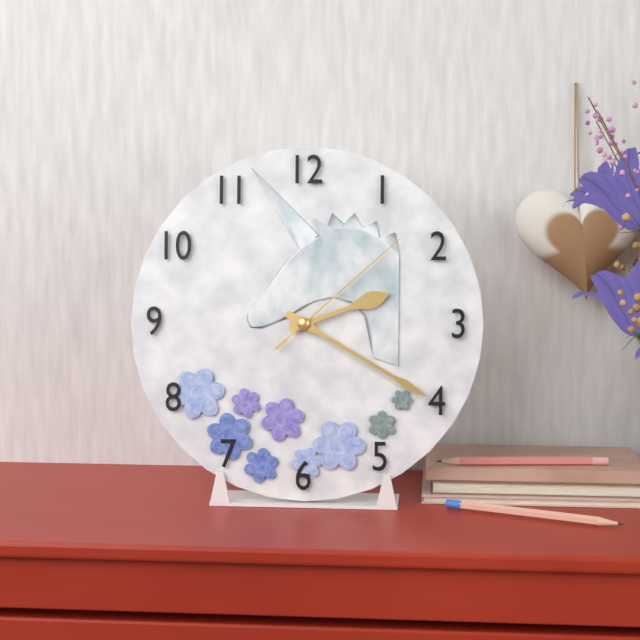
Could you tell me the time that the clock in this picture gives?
2:20:08
